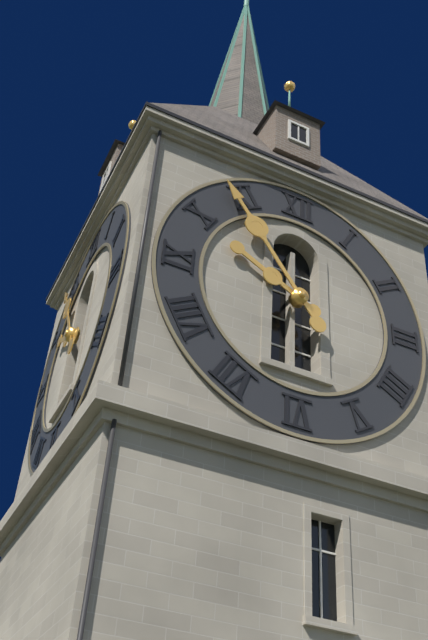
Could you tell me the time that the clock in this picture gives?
9:54
